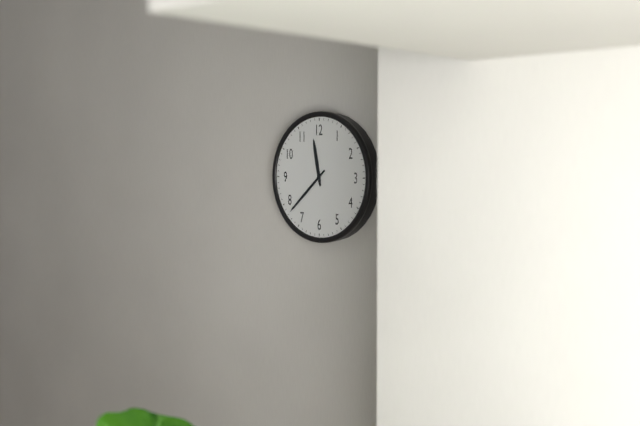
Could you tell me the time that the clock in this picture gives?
11:38
